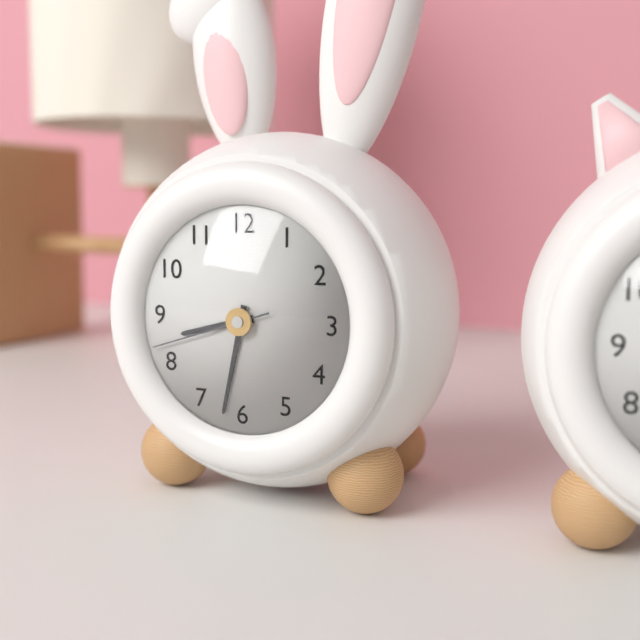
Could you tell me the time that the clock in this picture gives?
8:32:42
